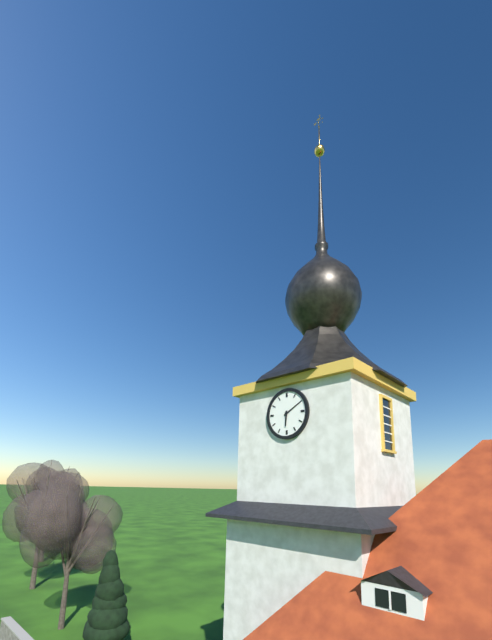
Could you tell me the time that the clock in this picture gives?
6:10
